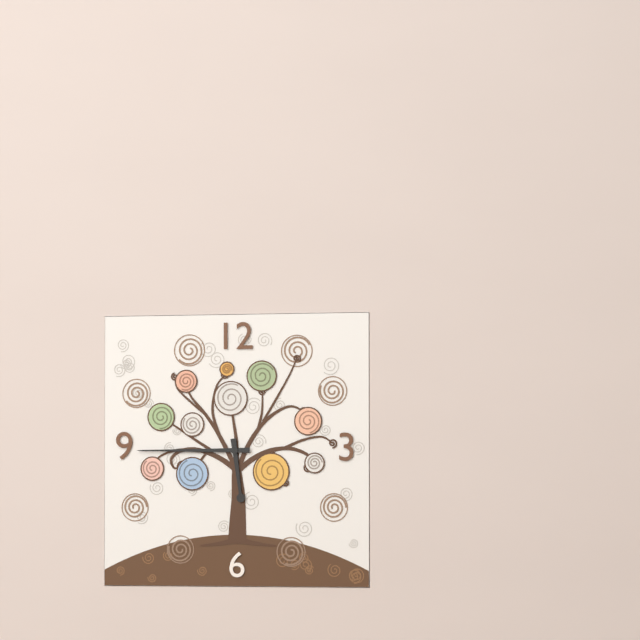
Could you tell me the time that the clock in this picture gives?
5:45
